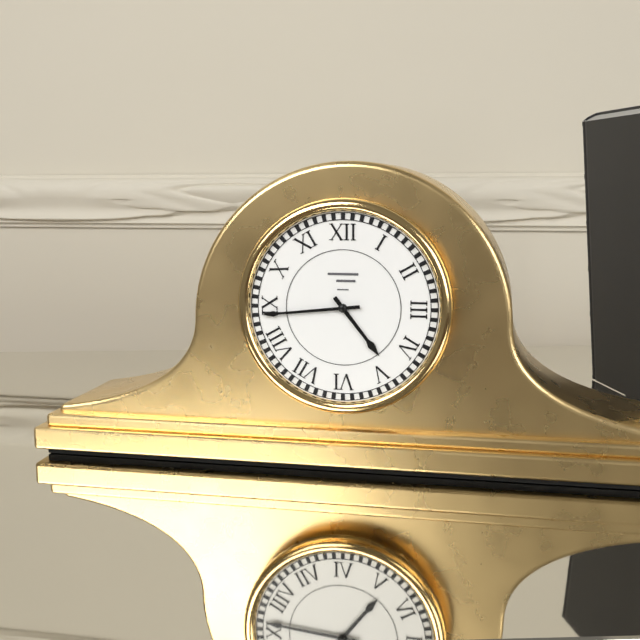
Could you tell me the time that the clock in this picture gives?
4:44
